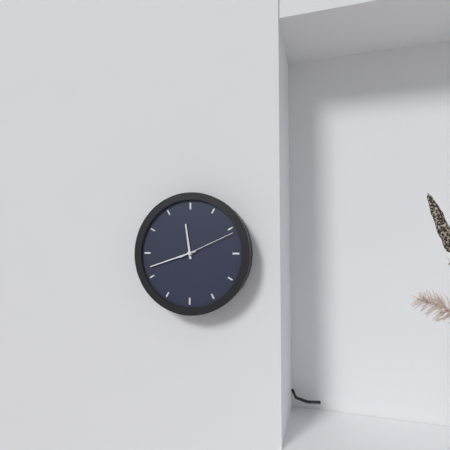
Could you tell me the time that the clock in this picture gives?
11:42:11
